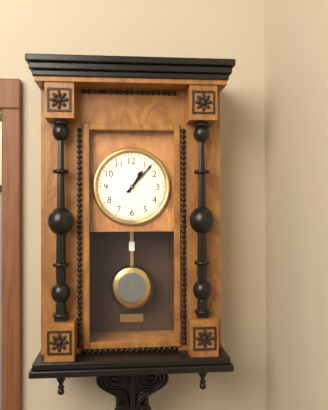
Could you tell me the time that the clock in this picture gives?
1:07
